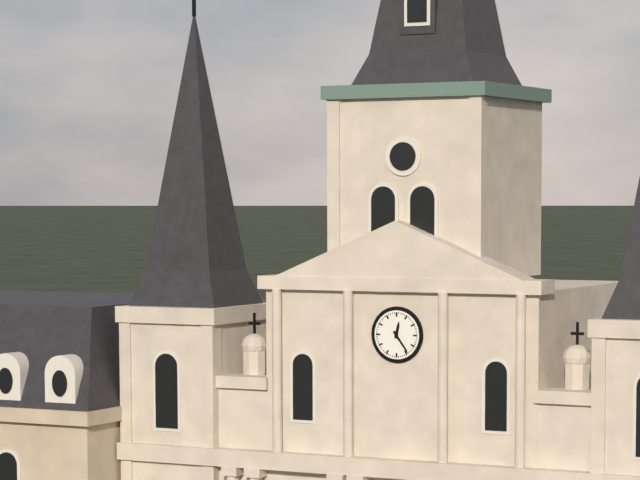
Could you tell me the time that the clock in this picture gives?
12:24
